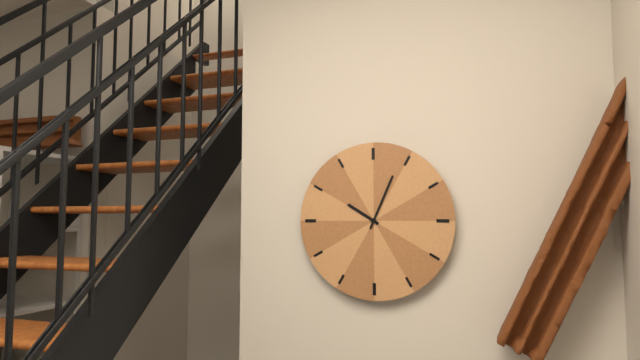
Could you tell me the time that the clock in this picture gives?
10:04
